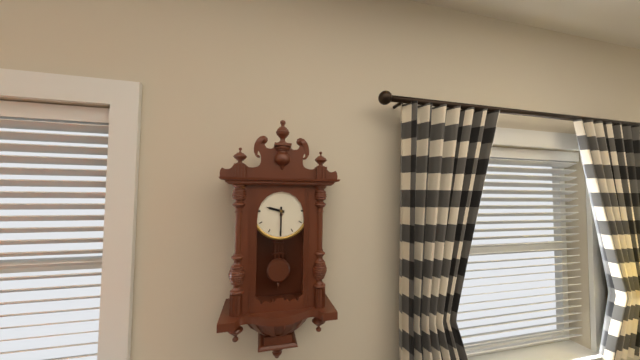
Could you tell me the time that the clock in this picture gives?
9:30
